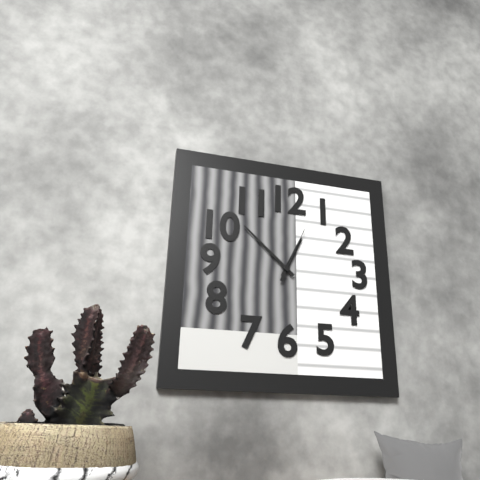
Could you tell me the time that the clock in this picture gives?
12:52:04
